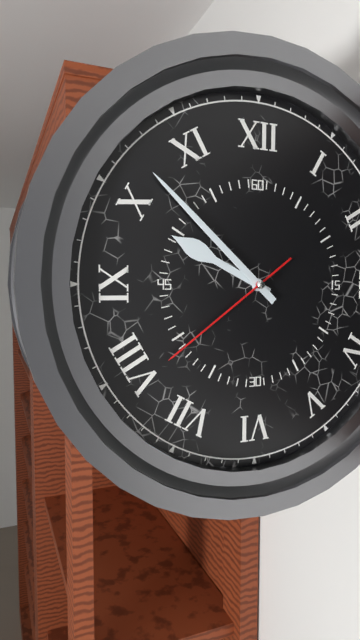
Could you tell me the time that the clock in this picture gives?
9:52:39
